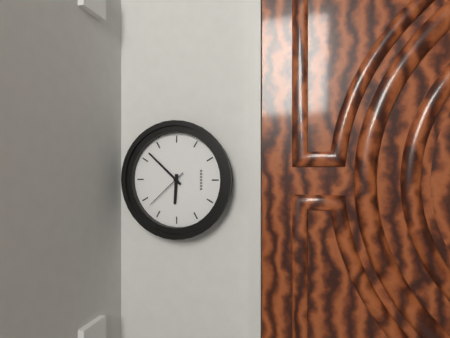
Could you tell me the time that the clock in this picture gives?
9:07
